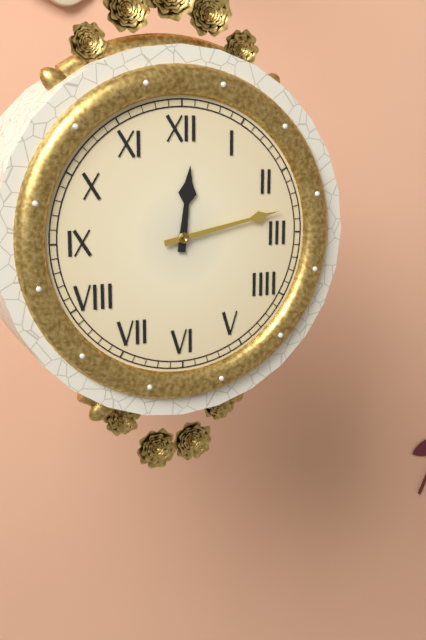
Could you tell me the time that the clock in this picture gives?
12:13
